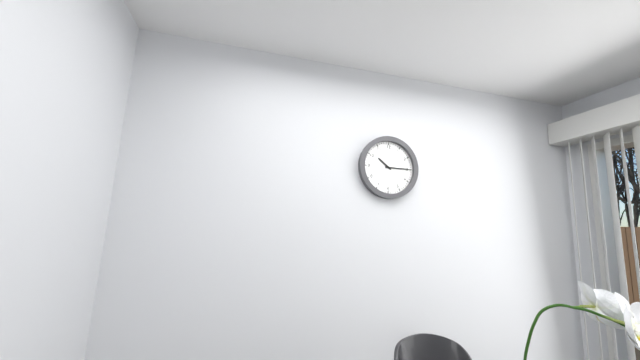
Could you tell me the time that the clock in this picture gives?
10:15
